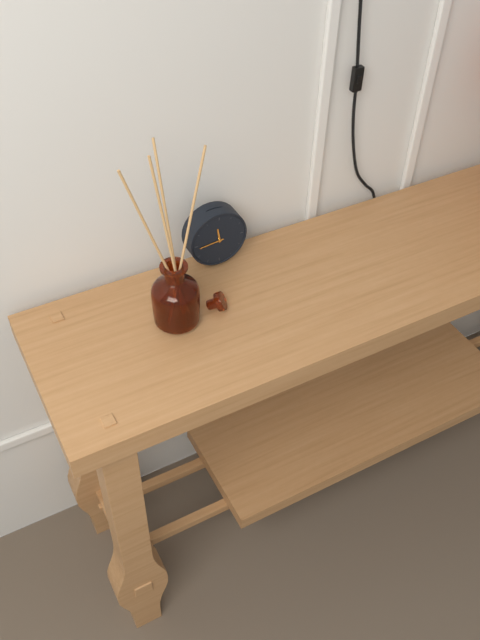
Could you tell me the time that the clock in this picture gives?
11:44
